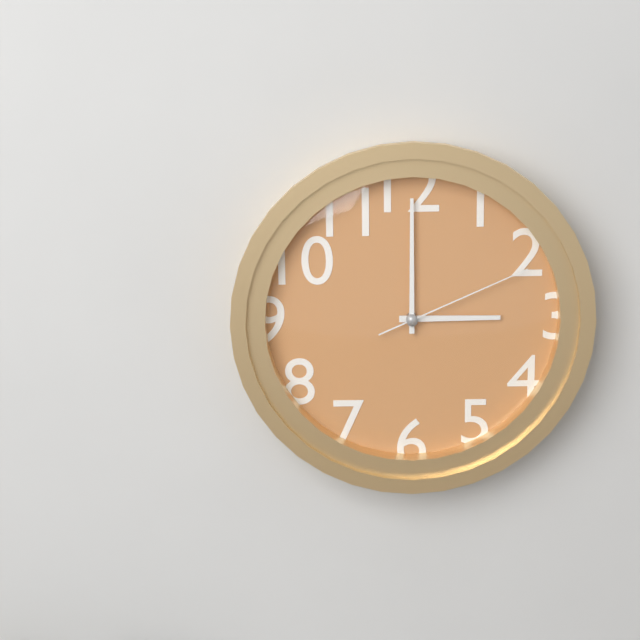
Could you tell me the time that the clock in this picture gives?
3:00:11
